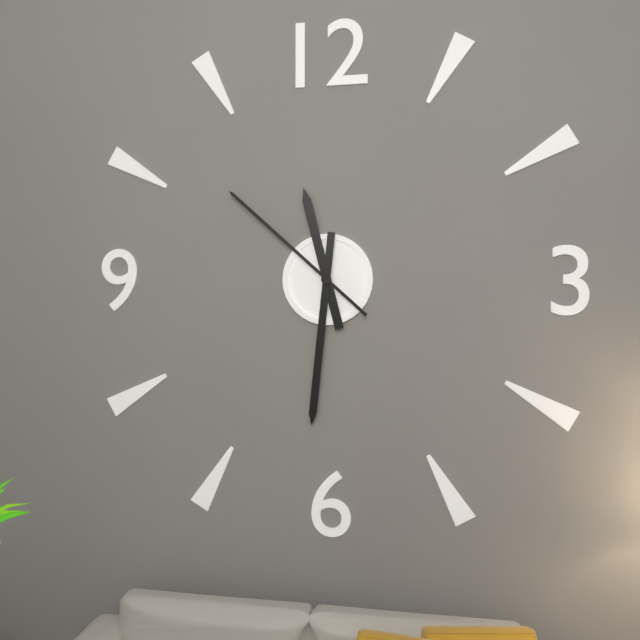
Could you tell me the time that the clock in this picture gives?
11:31:52
